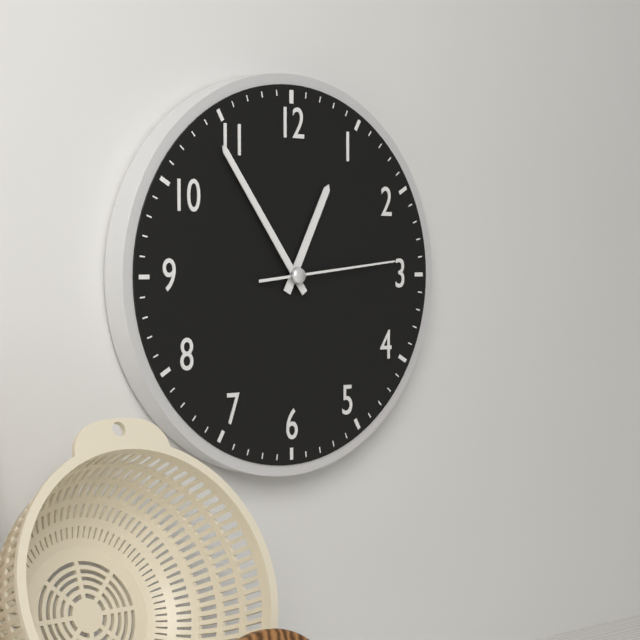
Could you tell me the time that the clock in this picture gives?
12:54:14
